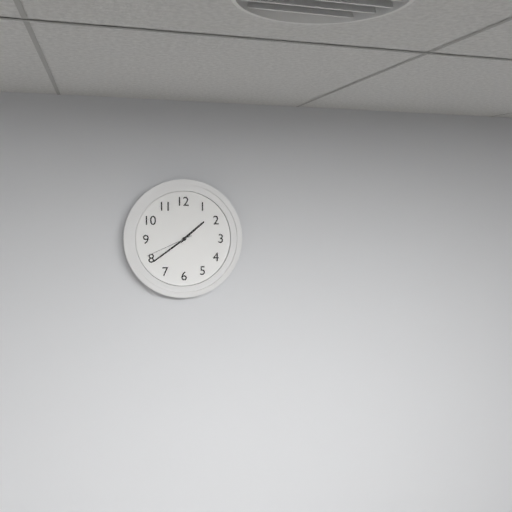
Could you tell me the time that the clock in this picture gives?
1:39:41
